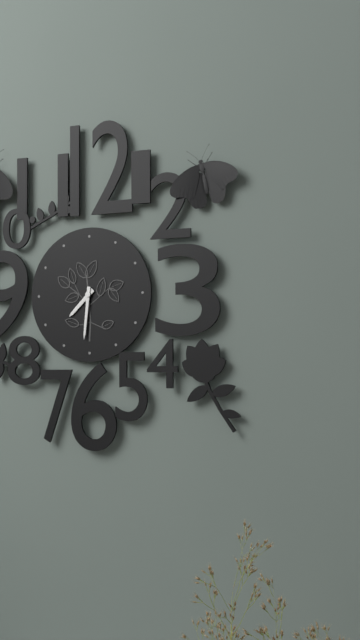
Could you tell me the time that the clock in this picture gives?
7:31
